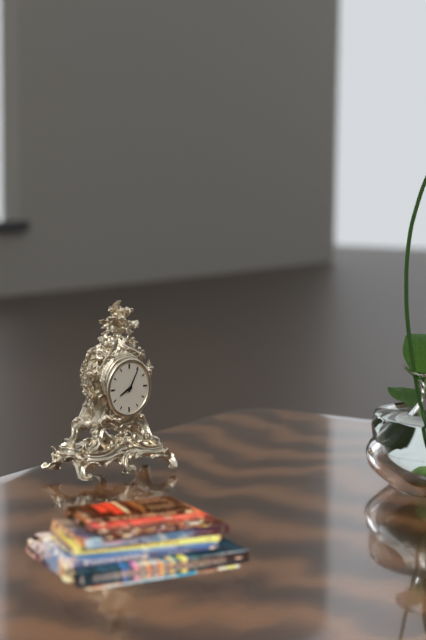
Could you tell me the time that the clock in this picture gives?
8:05
